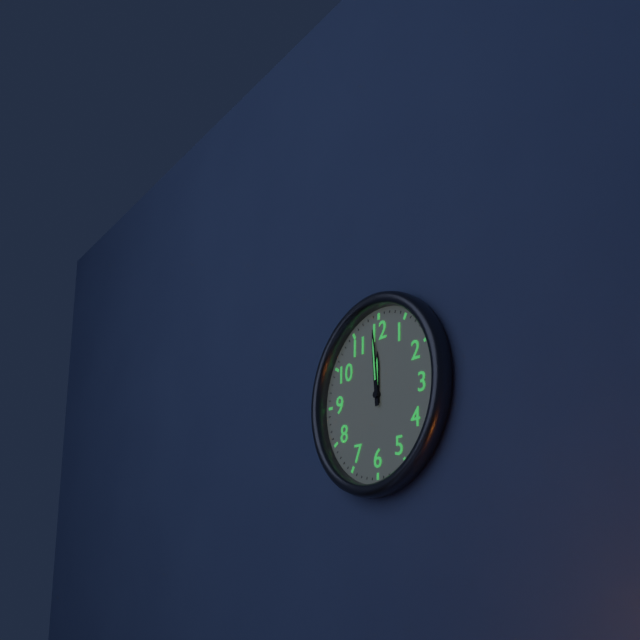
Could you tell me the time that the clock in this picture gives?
11:59
